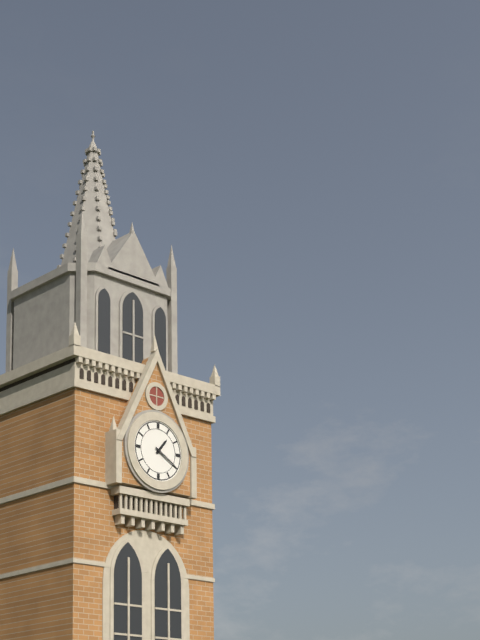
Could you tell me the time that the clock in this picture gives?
1:20
